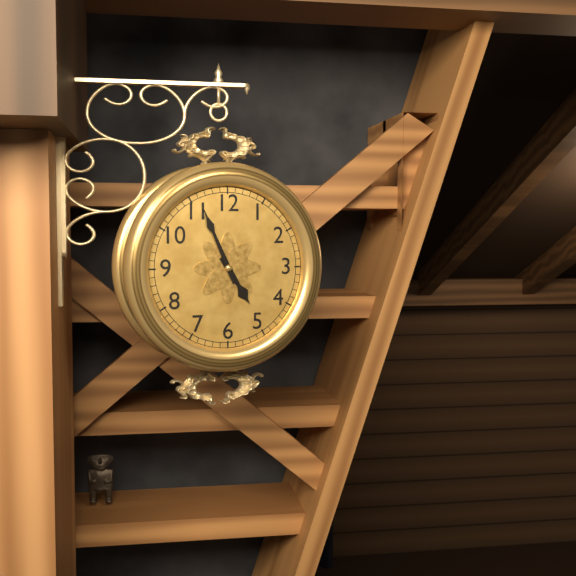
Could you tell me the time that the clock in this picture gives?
4:56
